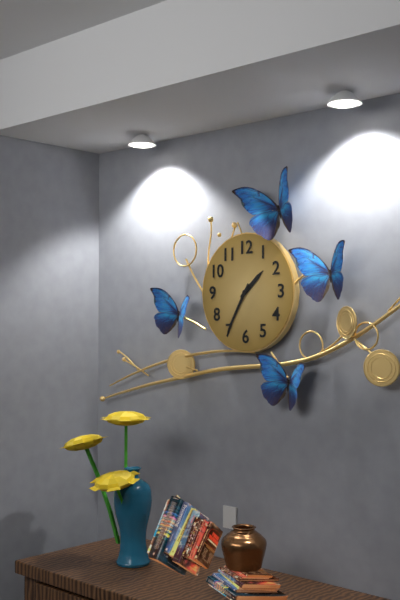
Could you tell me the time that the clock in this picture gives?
1:35
